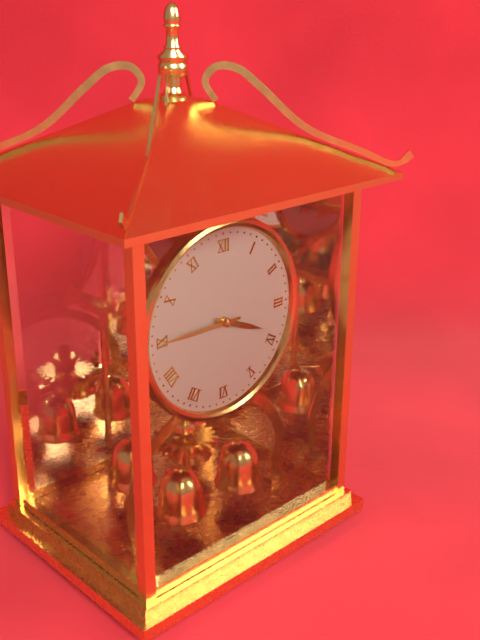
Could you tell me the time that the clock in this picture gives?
3:45
